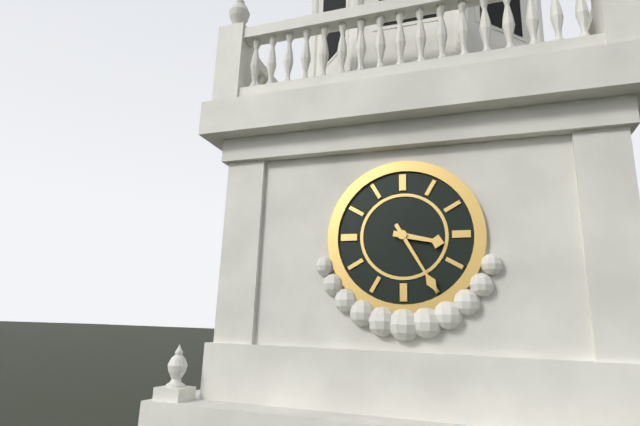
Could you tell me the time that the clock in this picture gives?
3:25
